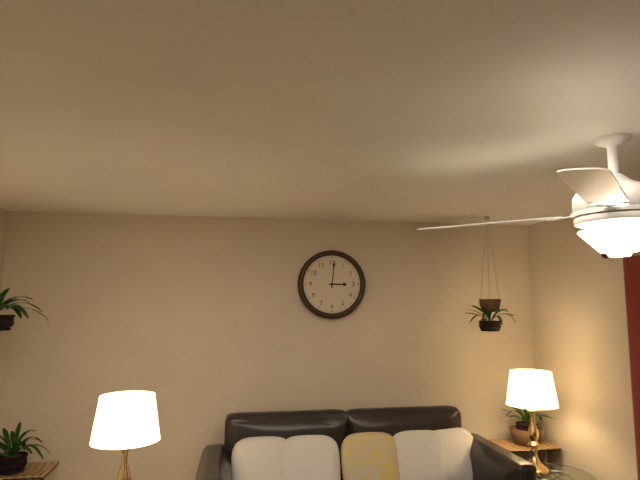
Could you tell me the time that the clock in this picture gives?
3:01
